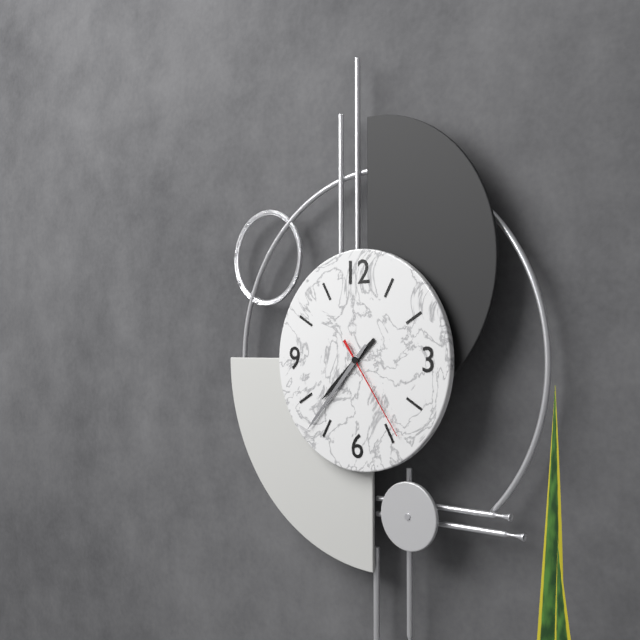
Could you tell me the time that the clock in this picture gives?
7:37:24
